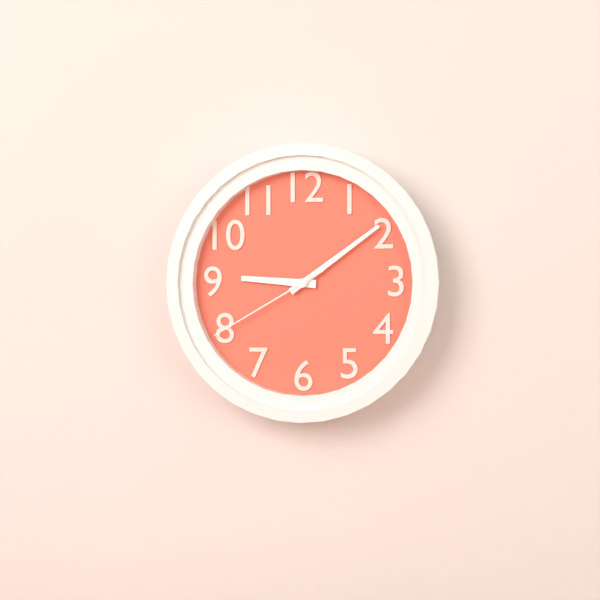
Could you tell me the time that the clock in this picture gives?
9:09:40
